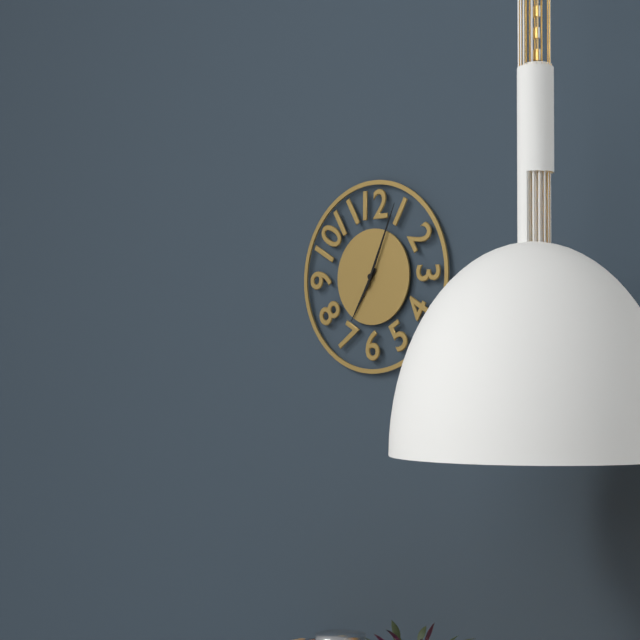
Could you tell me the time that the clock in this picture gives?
7:04
